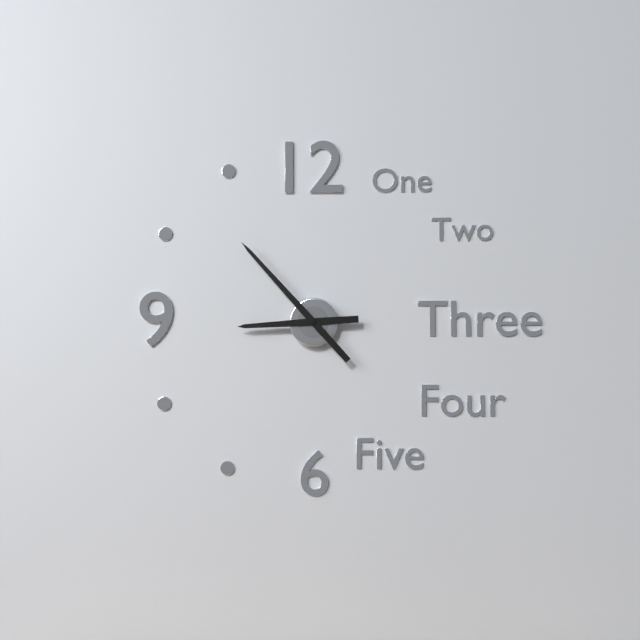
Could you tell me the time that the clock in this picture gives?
8:53
